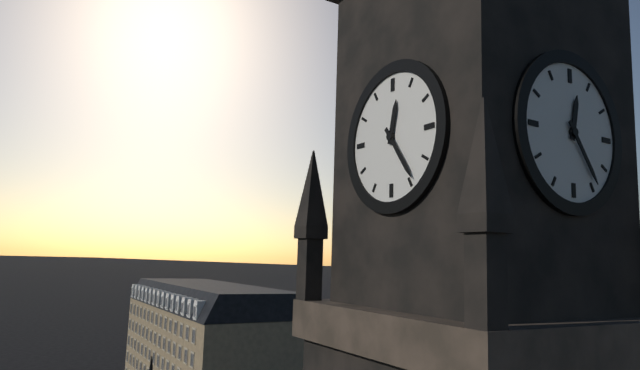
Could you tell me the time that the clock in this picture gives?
12:24
